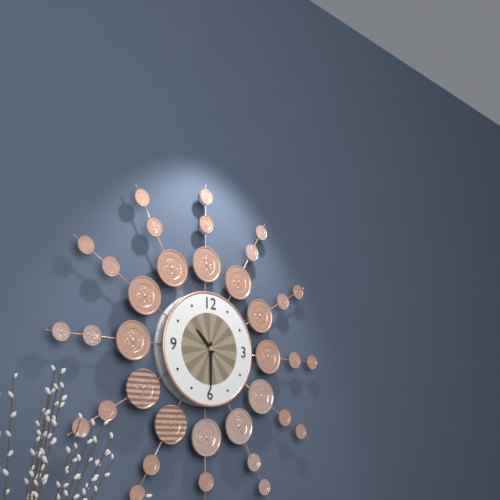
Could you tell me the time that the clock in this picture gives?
10:30
